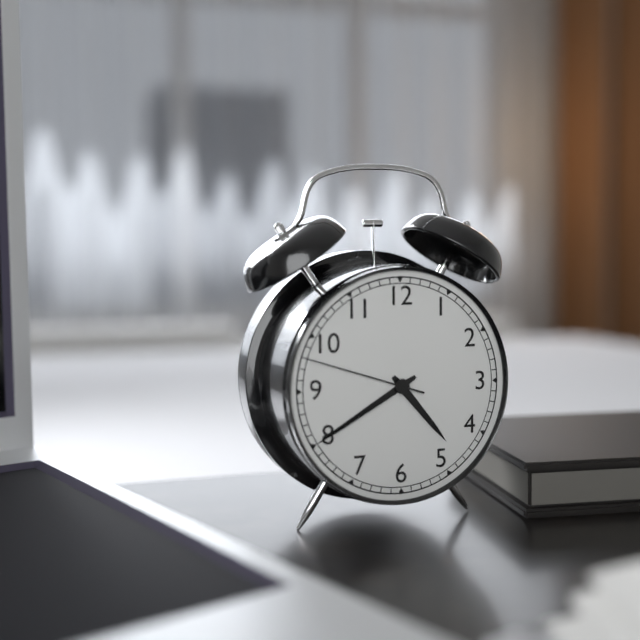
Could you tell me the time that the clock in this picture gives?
4:40:48
